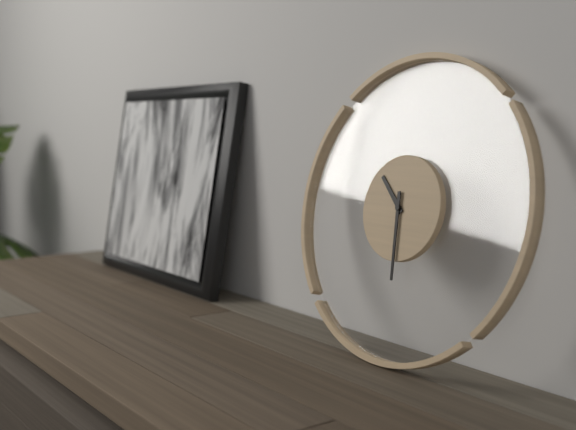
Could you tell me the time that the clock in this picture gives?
10:29
